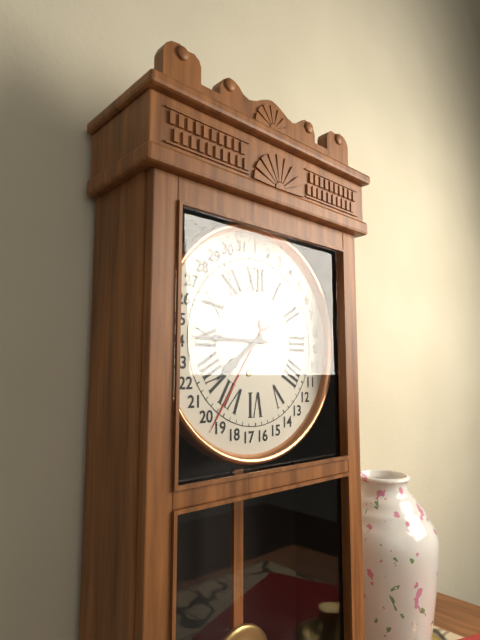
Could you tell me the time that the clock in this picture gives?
7:45
